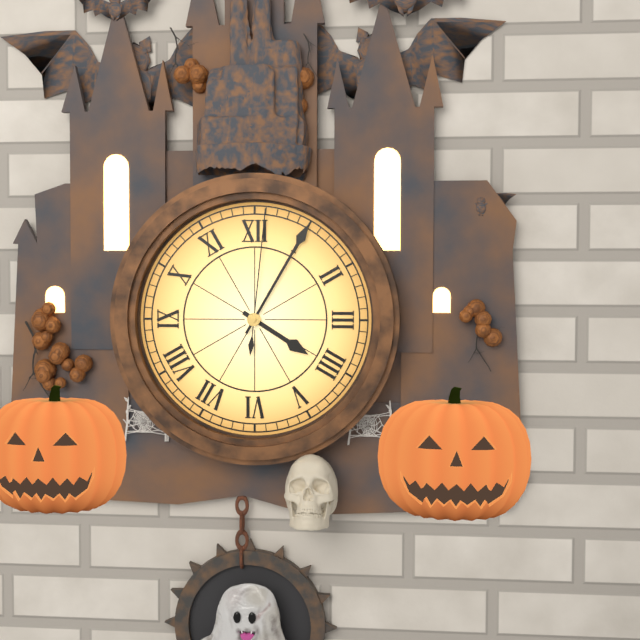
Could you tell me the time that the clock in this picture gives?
4:05:01
